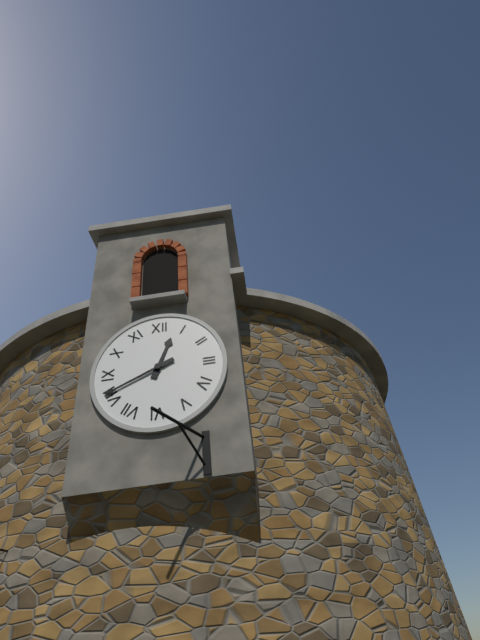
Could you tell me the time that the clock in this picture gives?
12:41
